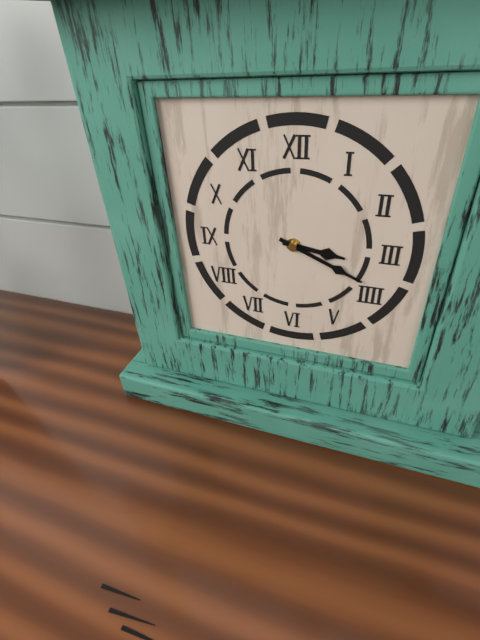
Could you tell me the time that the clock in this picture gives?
3:19
